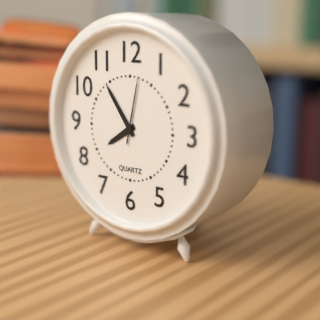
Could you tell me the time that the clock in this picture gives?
7:54:02
